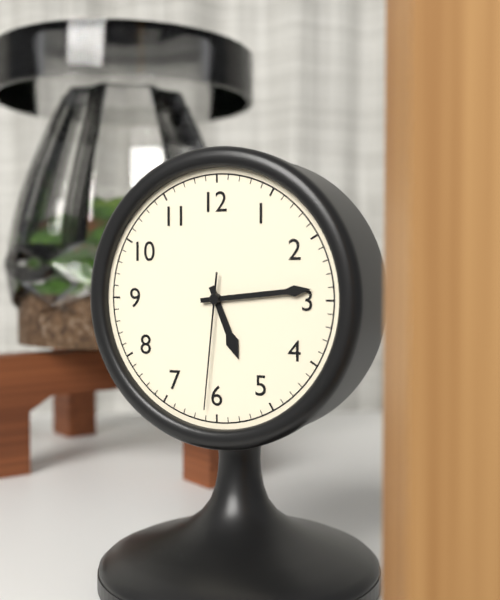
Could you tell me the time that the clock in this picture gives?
5:14:31
